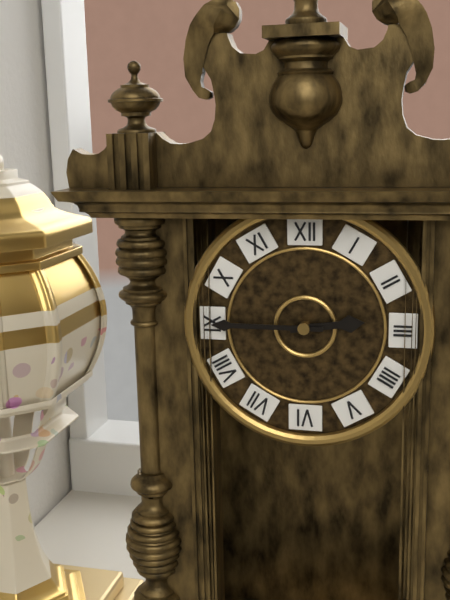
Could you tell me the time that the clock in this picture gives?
2:45
